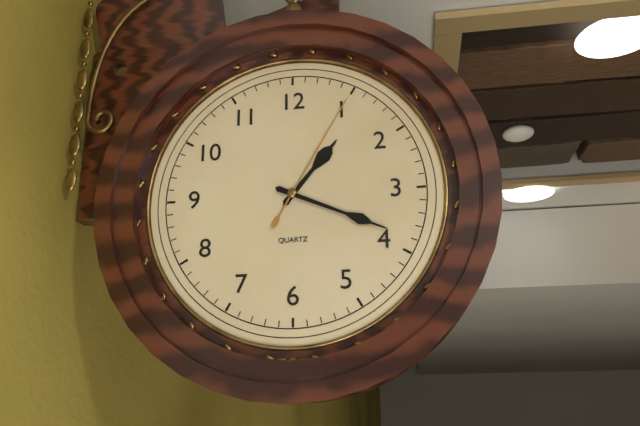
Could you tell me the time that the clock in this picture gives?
1:19:05
